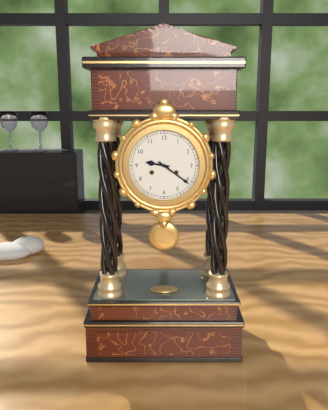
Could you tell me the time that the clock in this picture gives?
9:21
